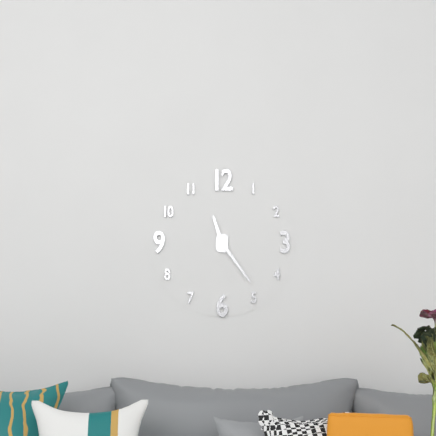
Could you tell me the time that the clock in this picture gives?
11:24
